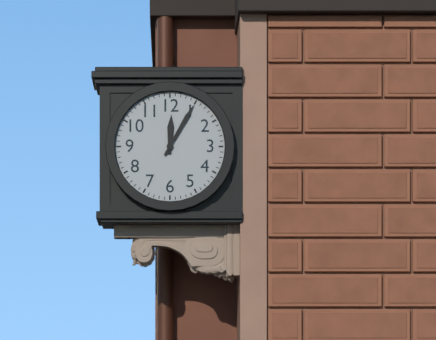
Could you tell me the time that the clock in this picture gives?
12:05
